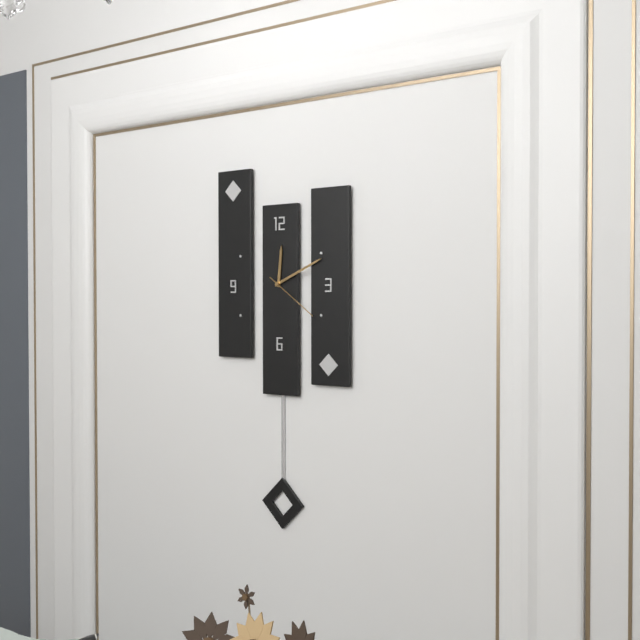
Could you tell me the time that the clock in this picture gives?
12:11:21
